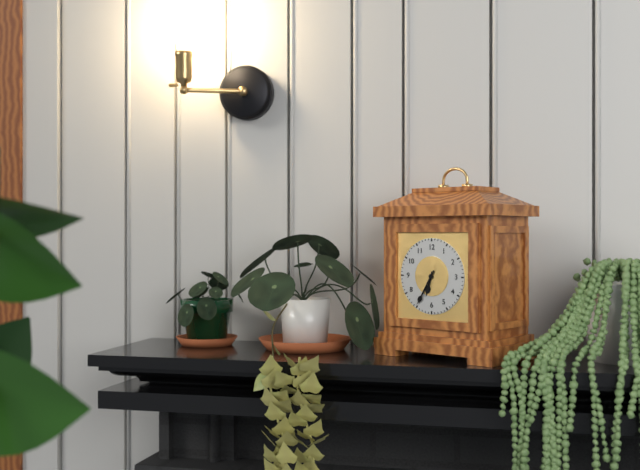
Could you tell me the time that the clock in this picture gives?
6:35
